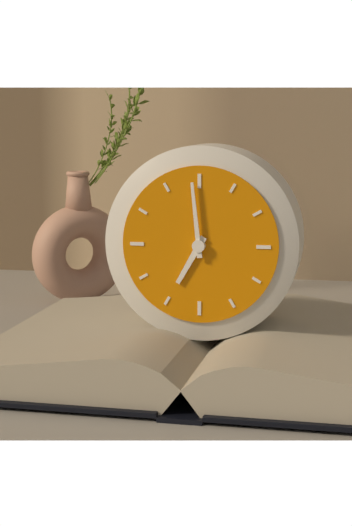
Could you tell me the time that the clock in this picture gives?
6:59
